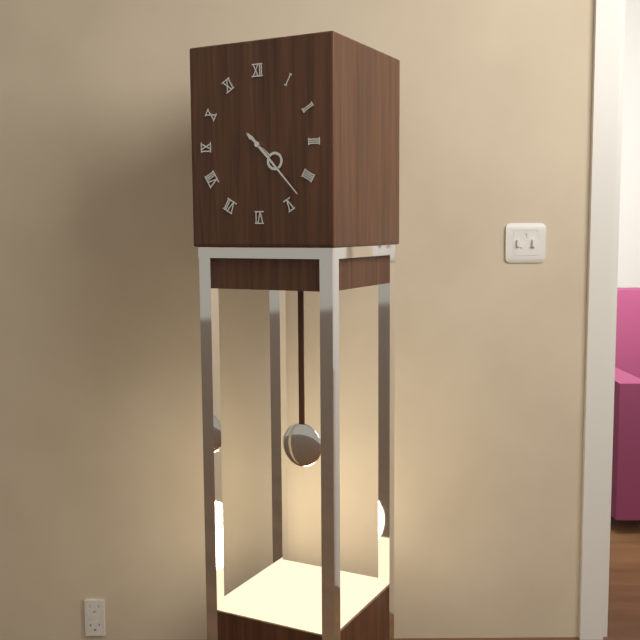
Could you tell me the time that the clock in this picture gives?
4:23
